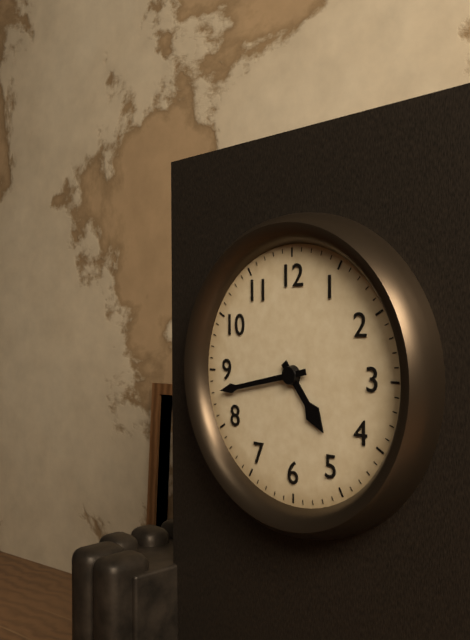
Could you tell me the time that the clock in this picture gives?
4:43
